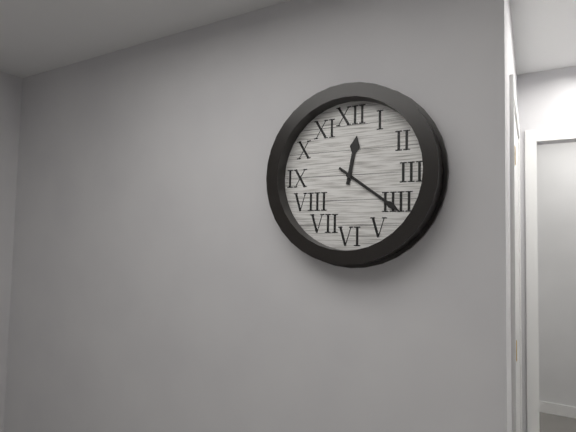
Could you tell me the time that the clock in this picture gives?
12:21
